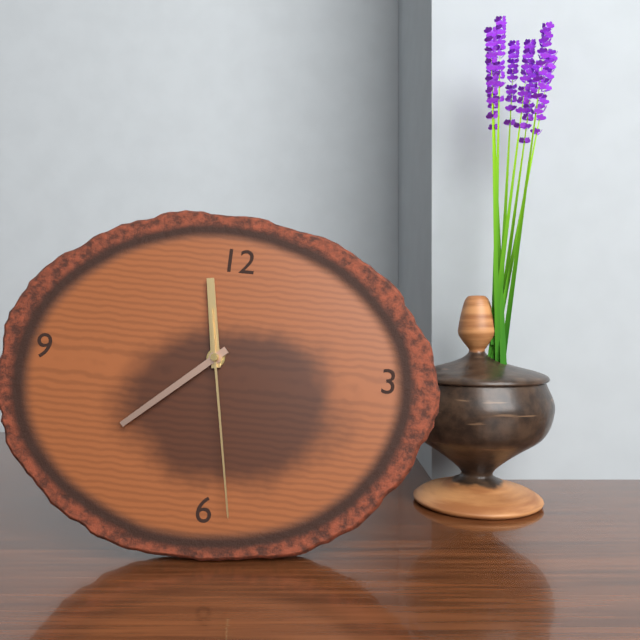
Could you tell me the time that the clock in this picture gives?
11:38:28
